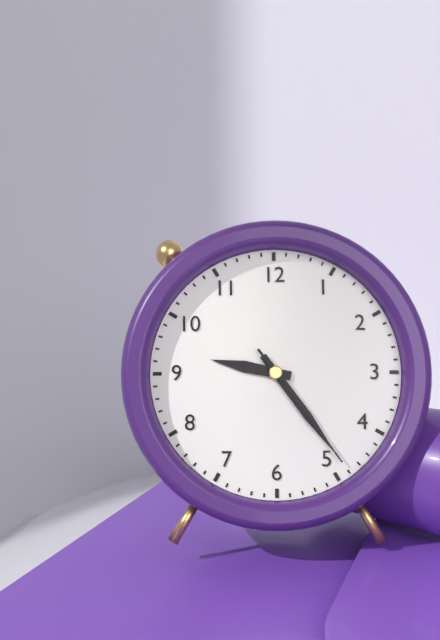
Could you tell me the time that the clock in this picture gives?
9:24:24
